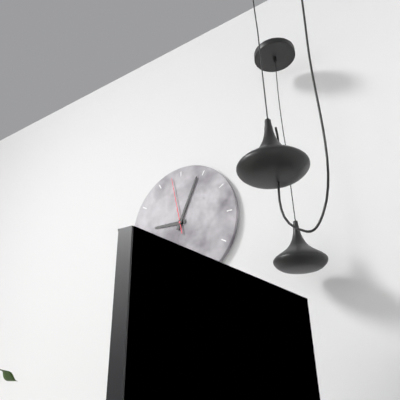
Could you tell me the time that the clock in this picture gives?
9:04:58
